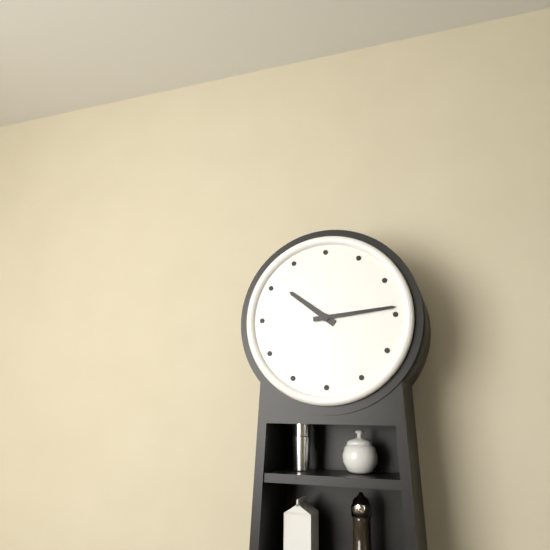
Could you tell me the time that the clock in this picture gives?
10:14
